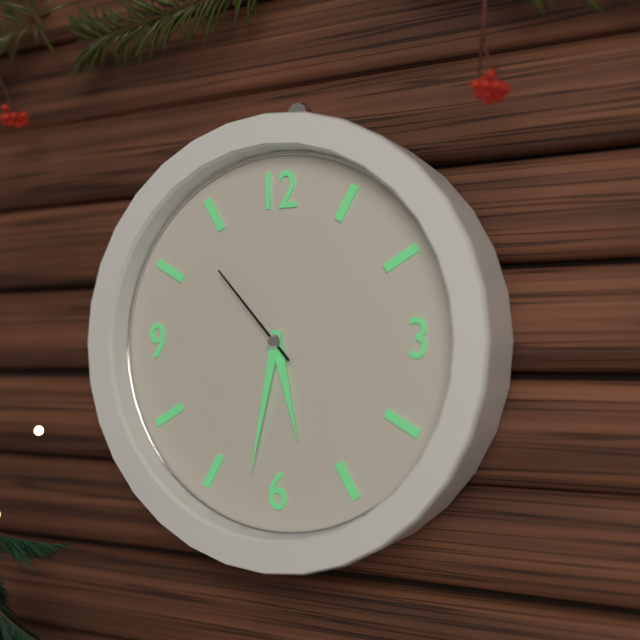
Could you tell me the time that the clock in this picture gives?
5:32:53
